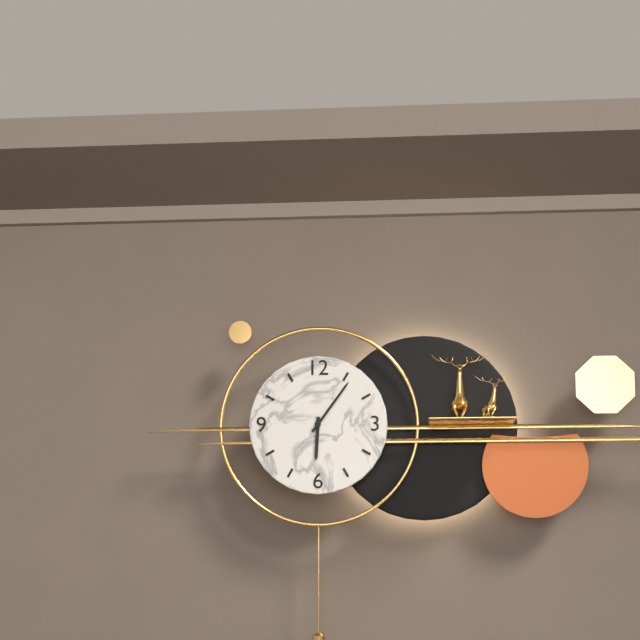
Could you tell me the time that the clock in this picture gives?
6:06
